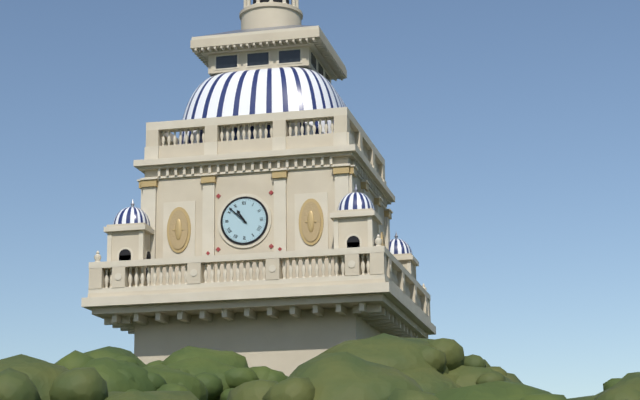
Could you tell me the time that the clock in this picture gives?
10:52
